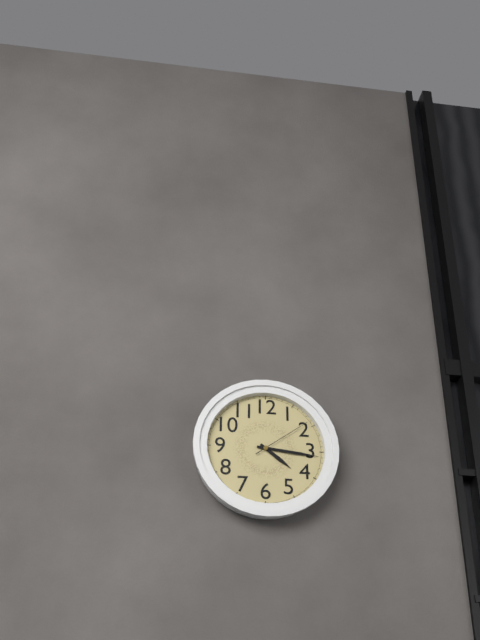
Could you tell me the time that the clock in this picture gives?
4:16:09
